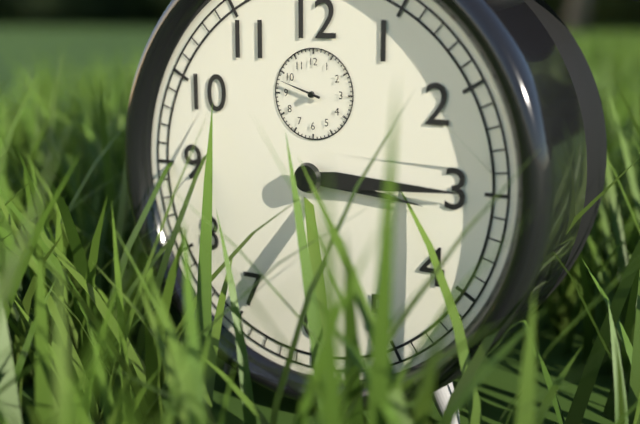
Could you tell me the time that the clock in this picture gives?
3:15
